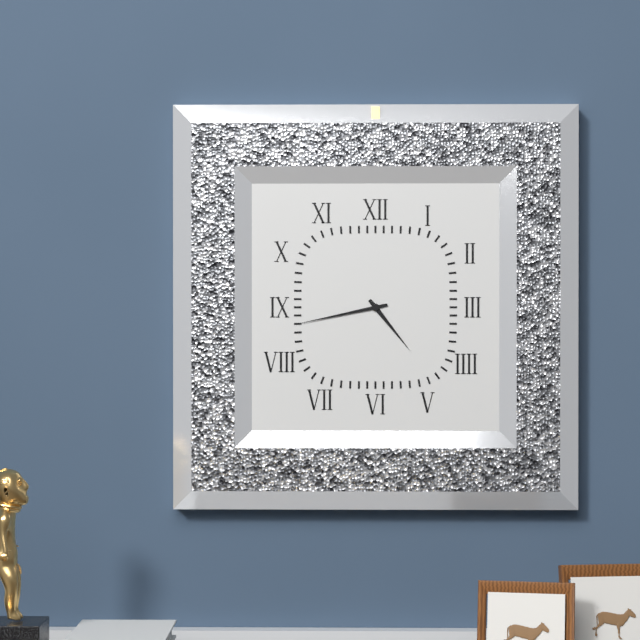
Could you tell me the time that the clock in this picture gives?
4:43
